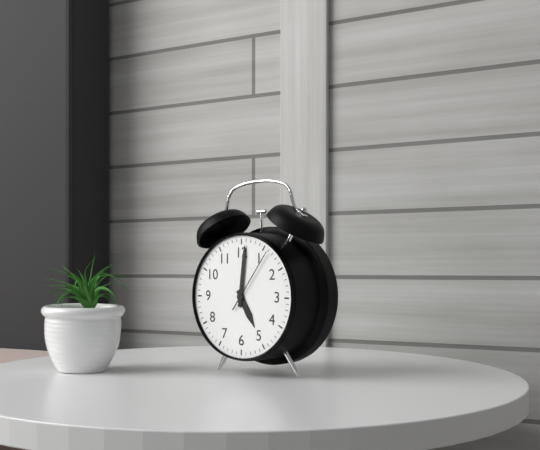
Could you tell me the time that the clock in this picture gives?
5:01:06
